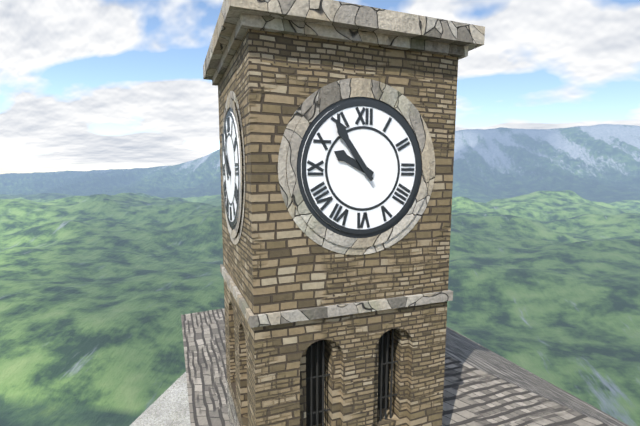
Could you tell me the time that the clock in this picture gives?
9:54
